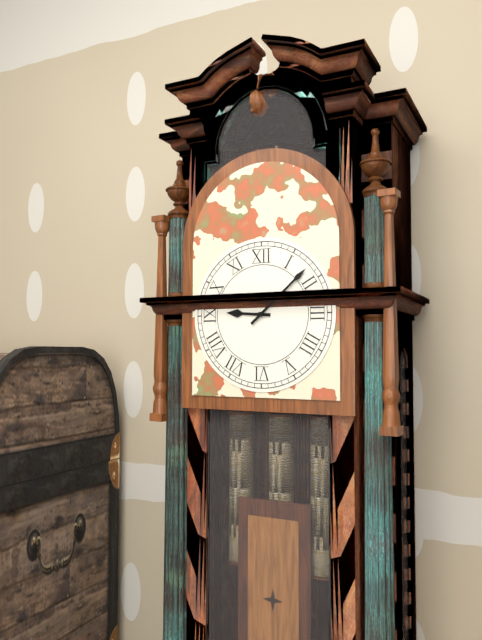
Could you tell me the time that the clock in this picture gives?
9:08
